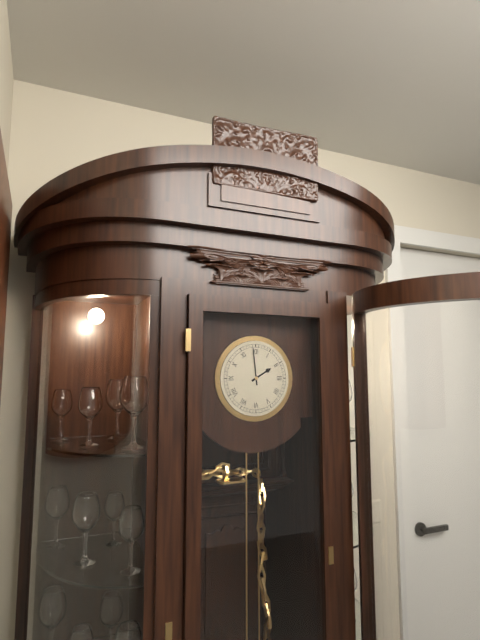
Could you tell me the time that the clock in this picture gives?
1:59
